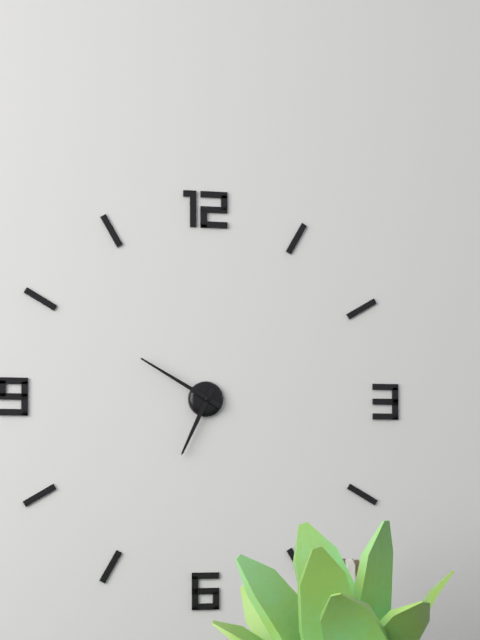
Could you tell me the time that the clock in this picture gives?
6:50
